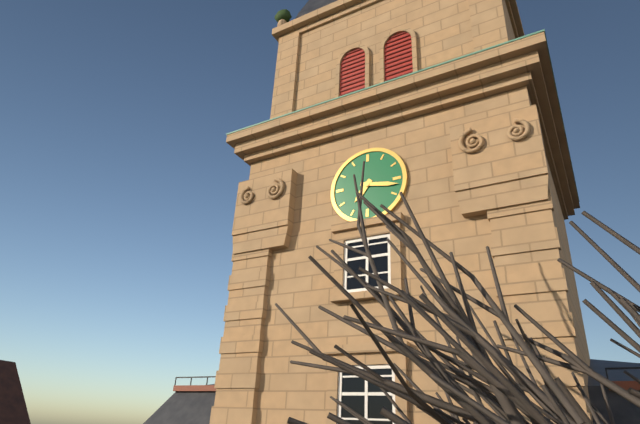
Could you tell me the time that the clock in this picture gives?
7:17
